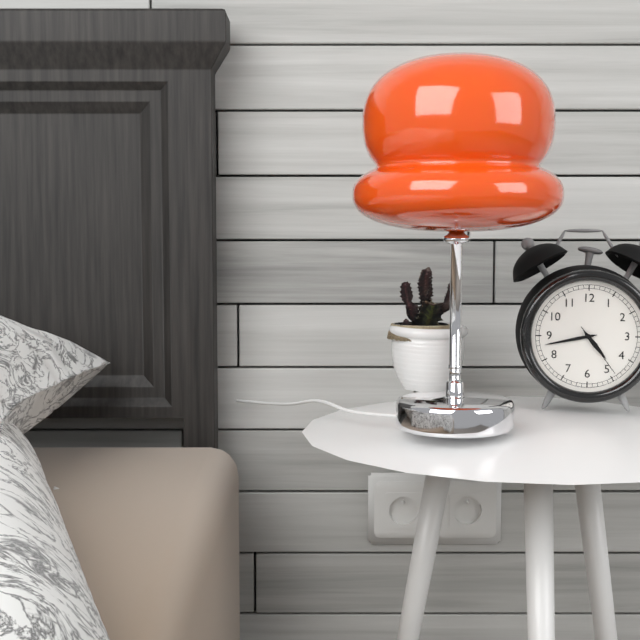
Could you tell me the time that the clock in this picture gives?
4:43:24
